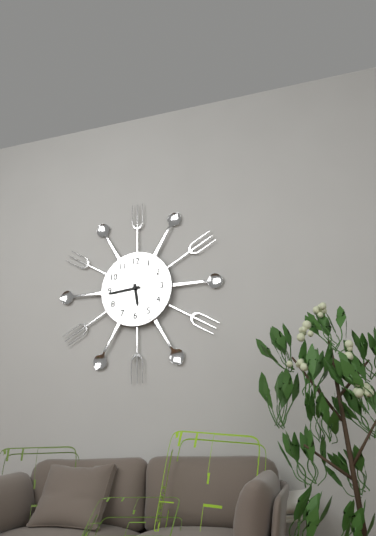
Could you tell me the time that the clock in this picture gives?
5:44
